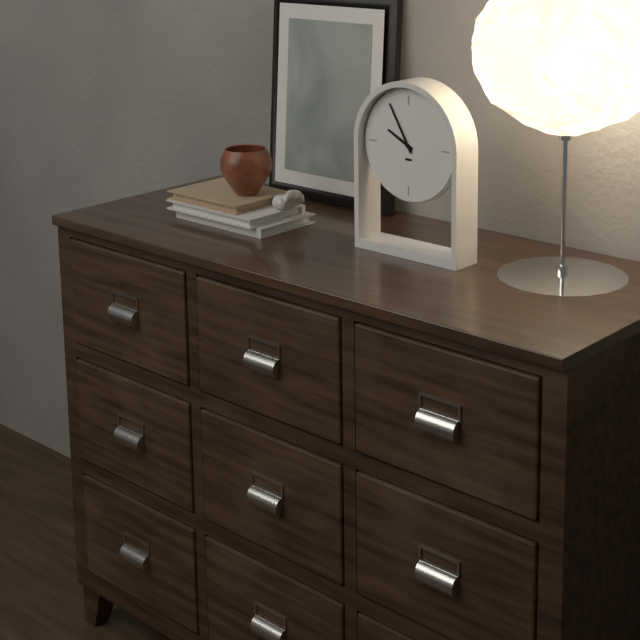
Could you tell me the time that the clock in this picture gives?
9:55
